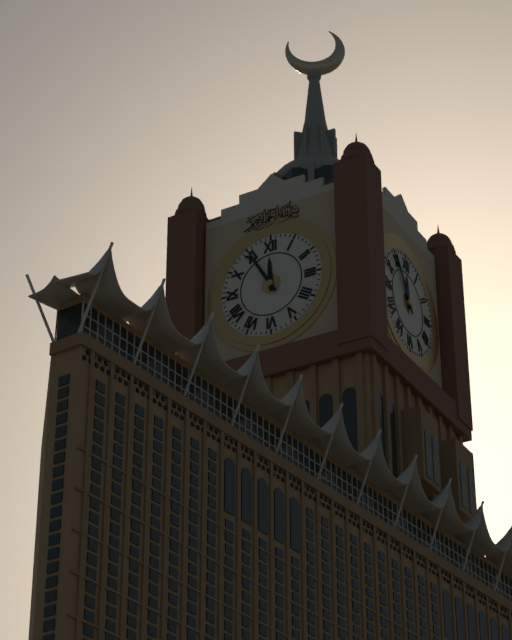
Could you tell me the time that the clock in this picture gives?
11:55
